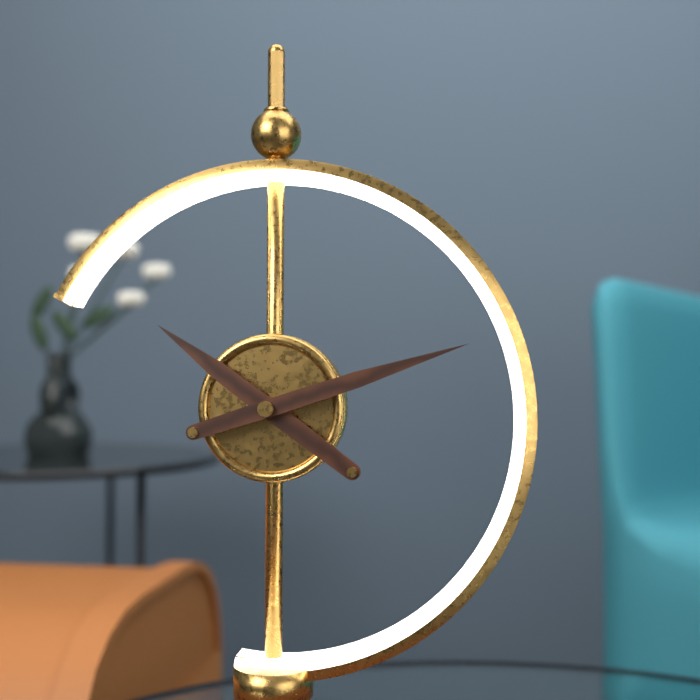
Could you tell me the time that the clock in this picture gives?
10:12
